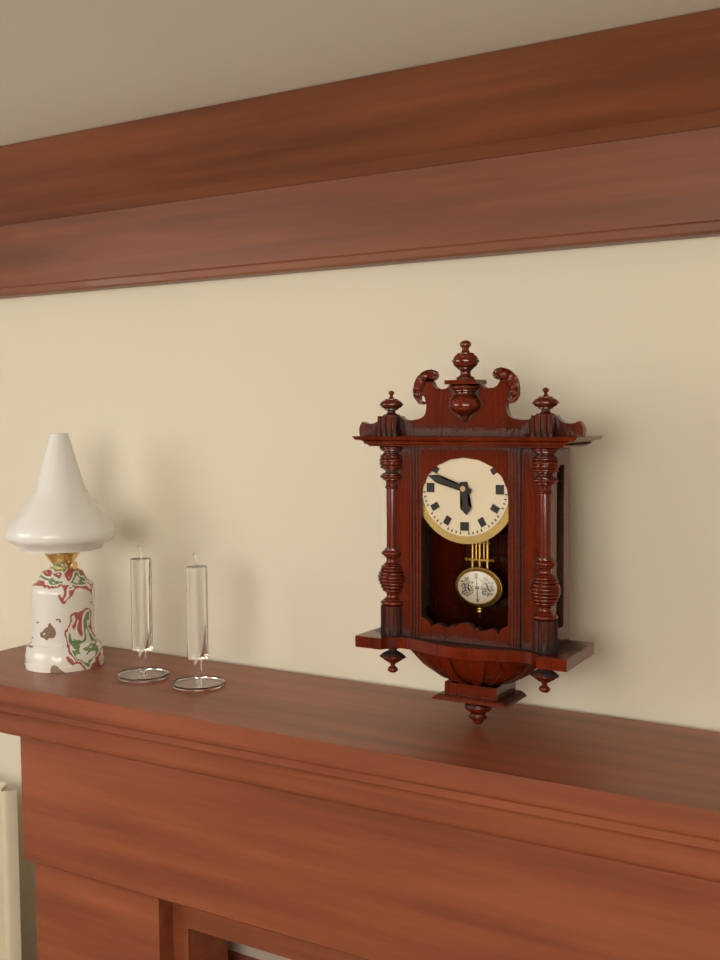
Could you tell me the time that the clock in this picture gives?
5:48
